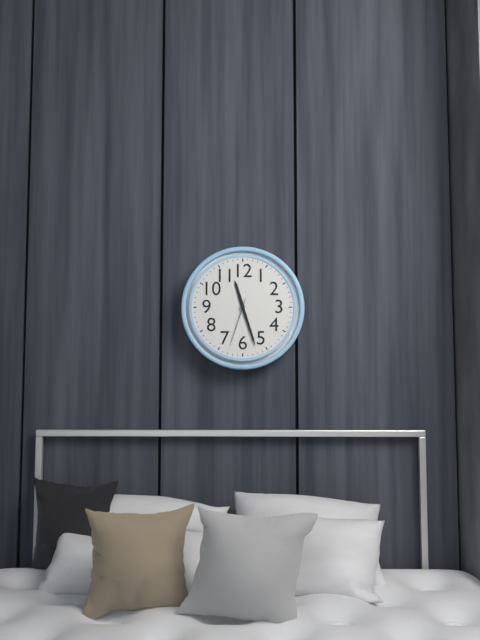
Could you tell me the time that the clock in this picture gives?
11:27:33
